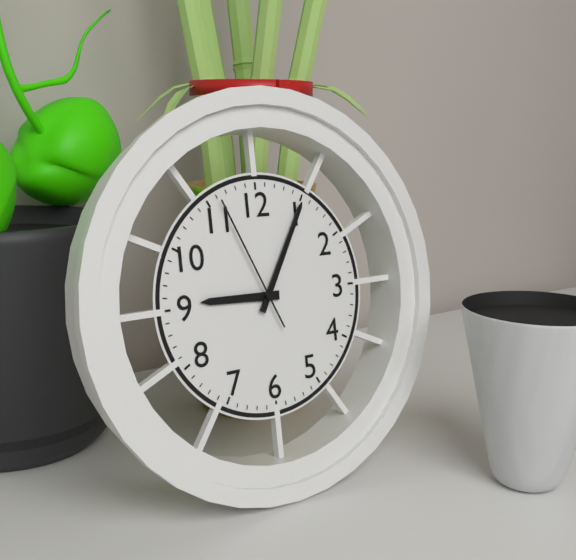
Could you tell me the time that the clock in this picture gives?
9:05:56
